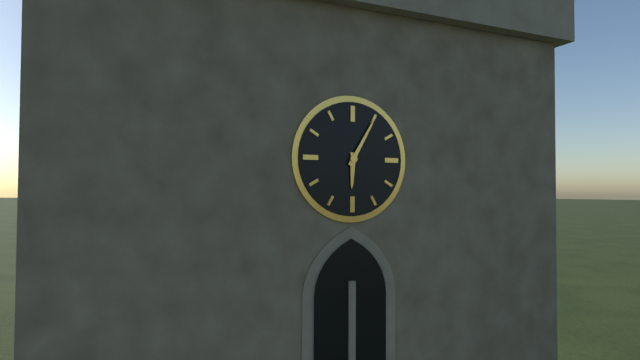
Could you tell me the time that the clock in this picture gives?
6:05
